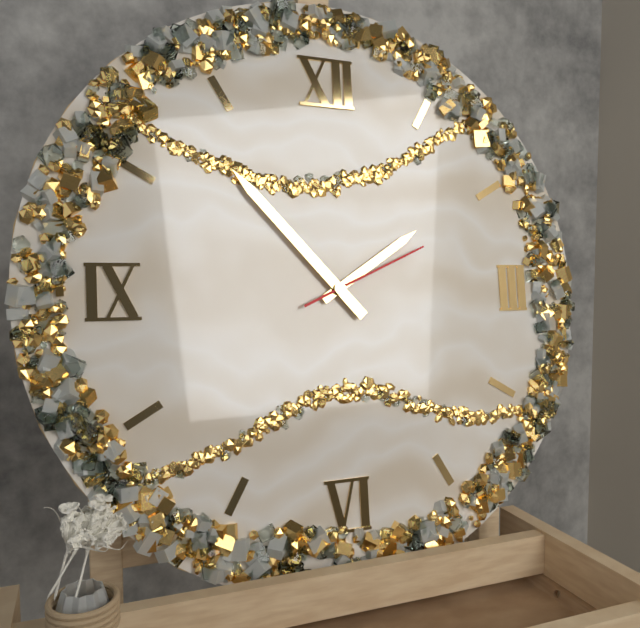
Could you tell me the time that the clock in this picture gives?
1:53:11
